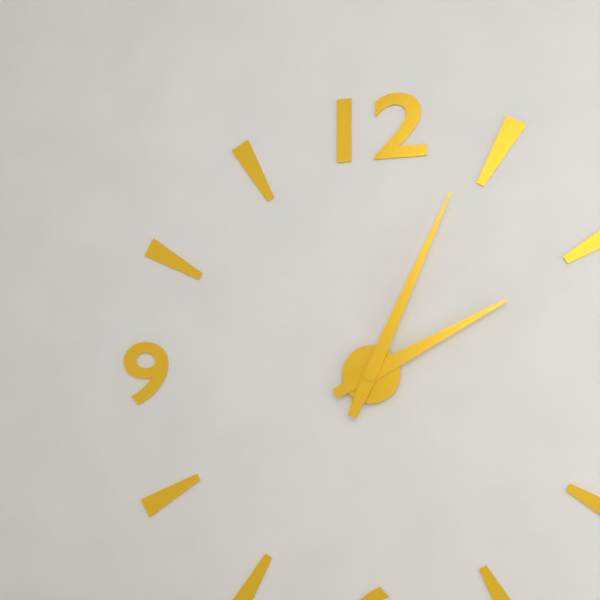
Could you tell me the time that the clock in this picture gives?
2:04
